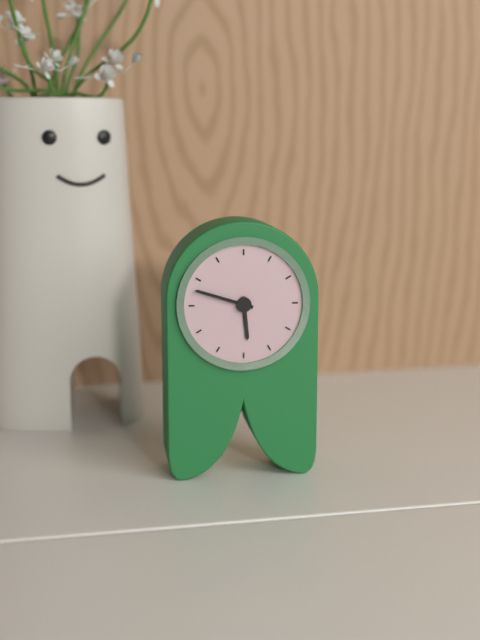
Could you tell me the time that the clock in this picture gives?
5:48
